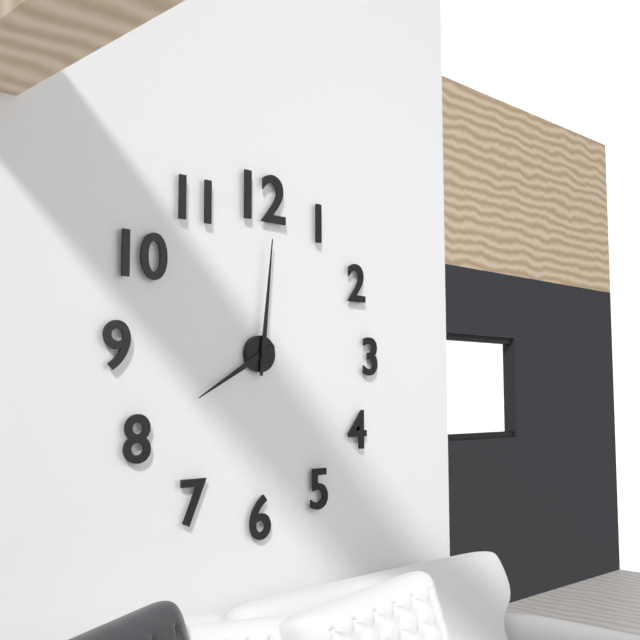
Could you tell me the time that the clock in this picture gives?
8:01
